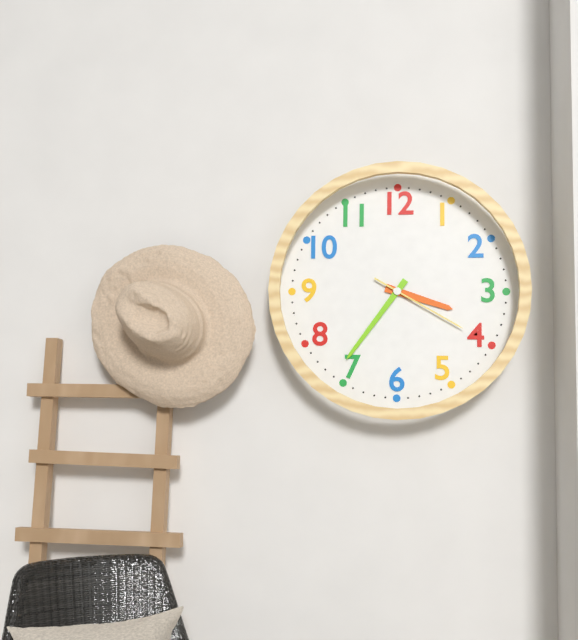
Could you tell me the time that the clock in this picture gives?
3:36:20
